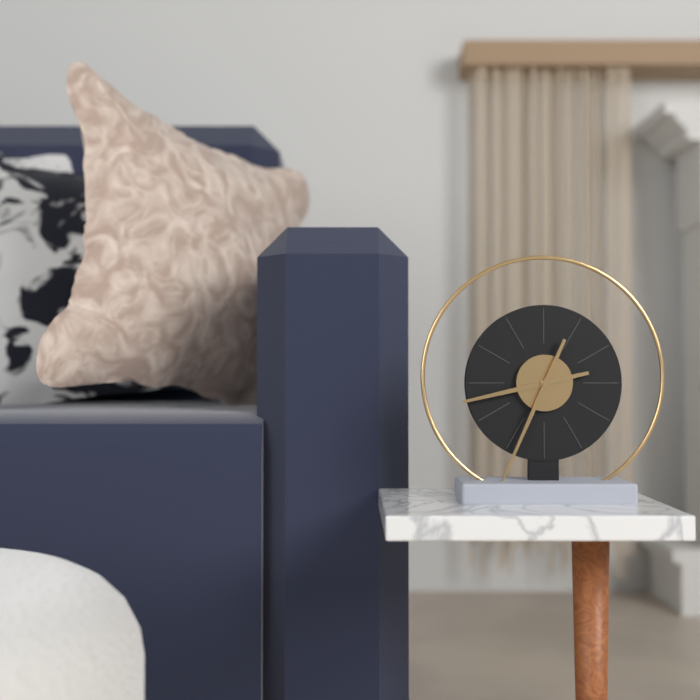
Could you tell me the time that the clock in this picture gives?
8:34
